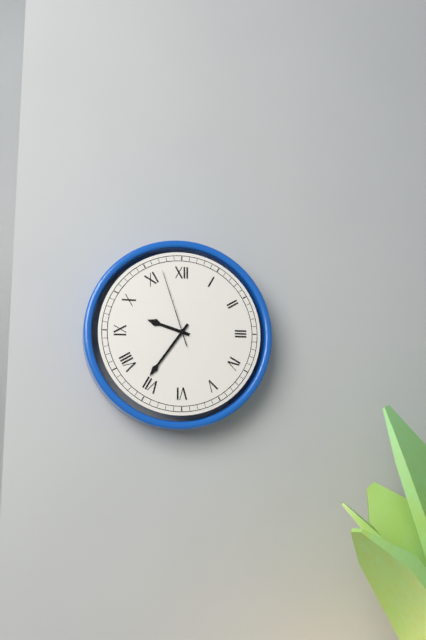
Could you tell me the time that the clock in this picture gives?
9:36:57
